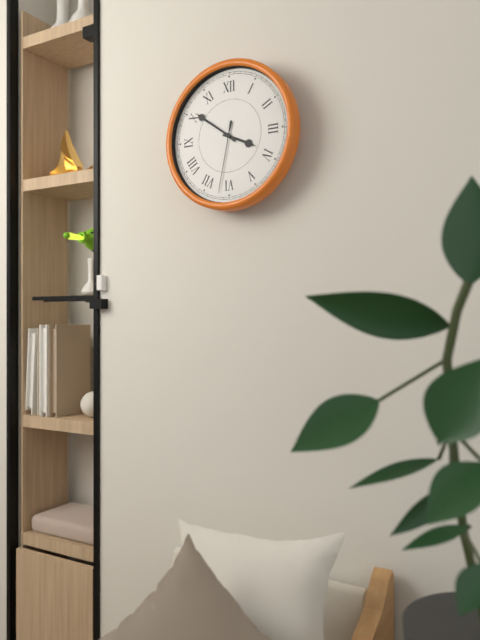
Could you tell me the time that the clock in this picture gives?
3:51:32
